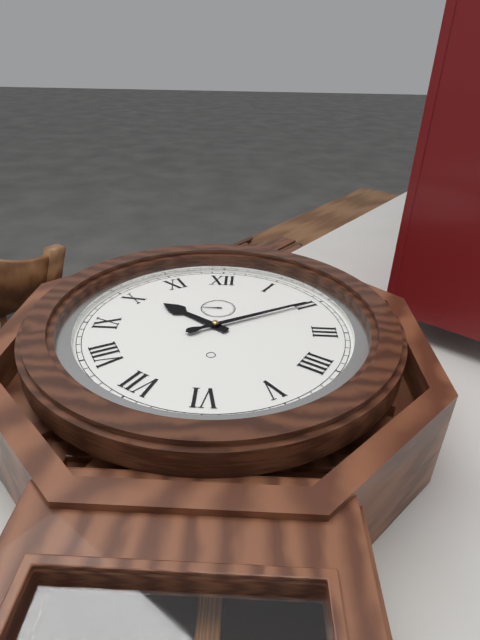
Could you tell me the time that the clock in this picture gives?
10:10
